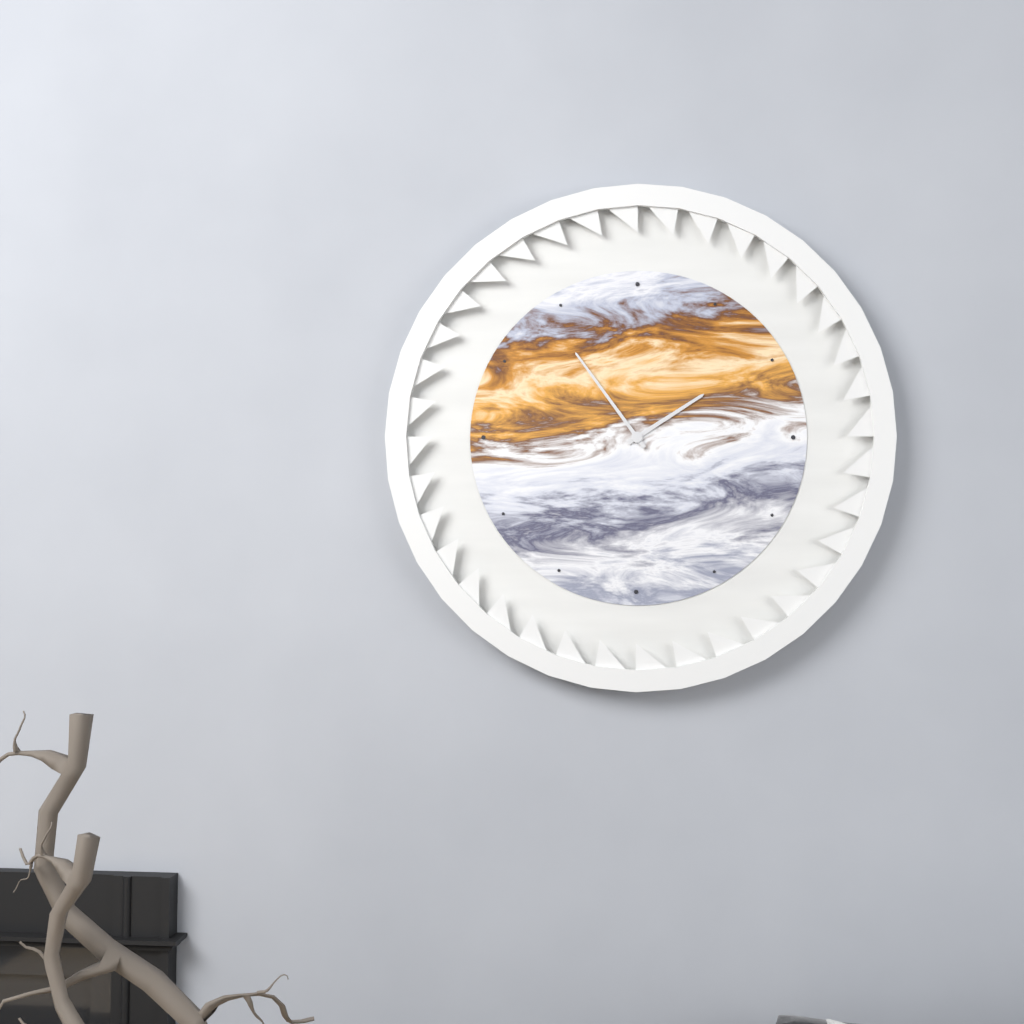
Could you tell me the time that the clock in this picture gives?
1:54
